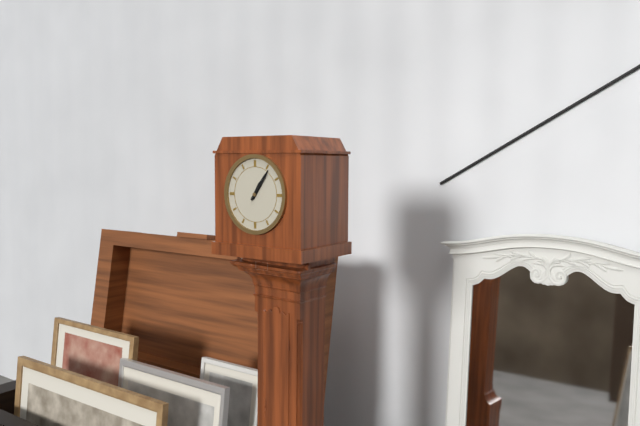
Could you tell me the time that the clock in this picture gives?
1:06
